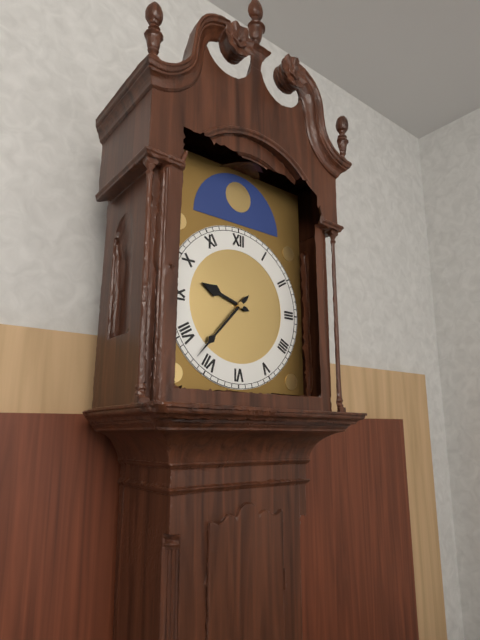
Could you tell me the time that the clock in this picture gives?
9:37
